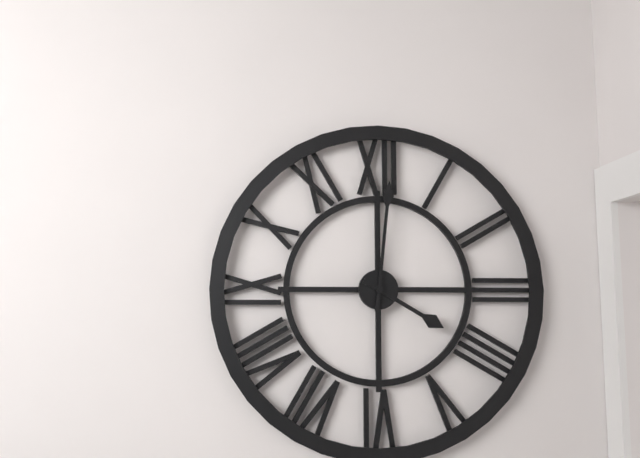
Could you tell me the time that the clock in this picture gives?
4:01
